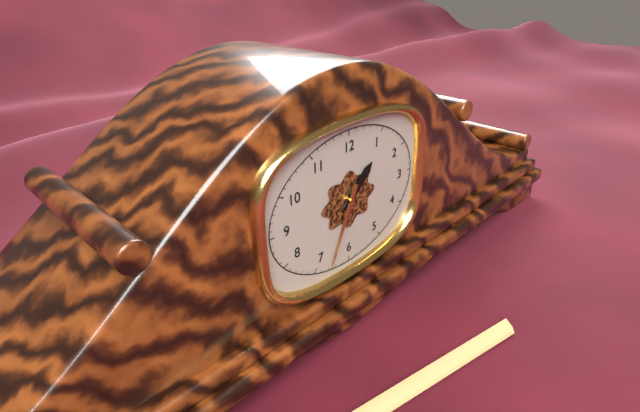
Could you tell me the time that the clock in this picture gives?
1:34
